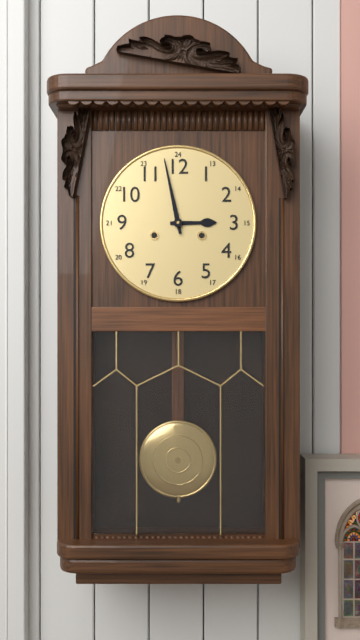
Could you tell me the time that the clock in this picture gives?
2:58
